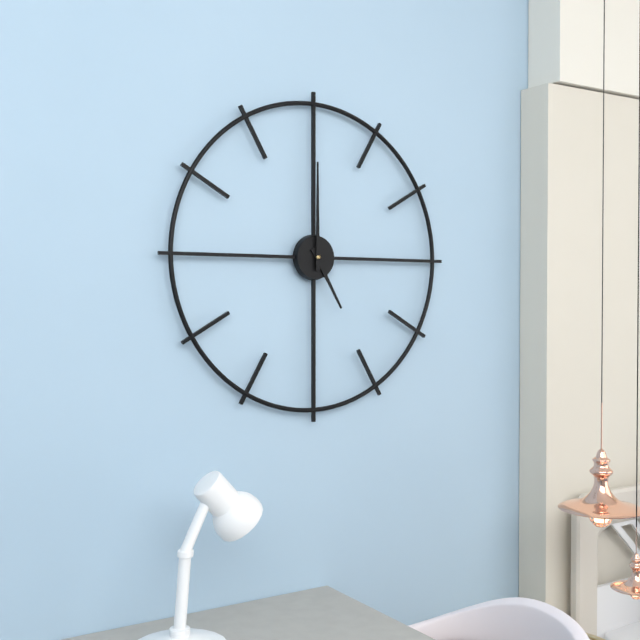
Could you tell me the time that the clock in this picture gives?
5:00
